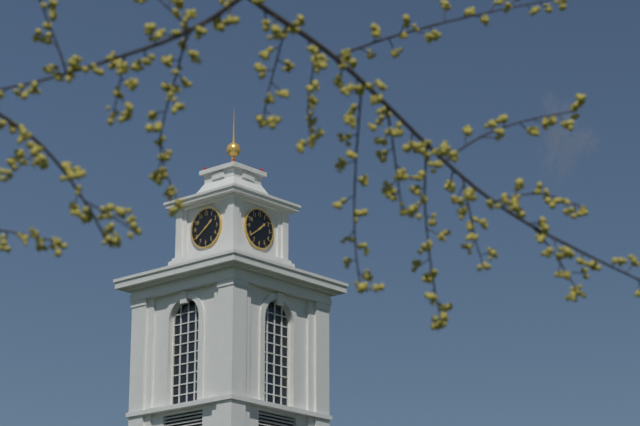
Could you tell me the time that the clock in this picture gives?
1:39
